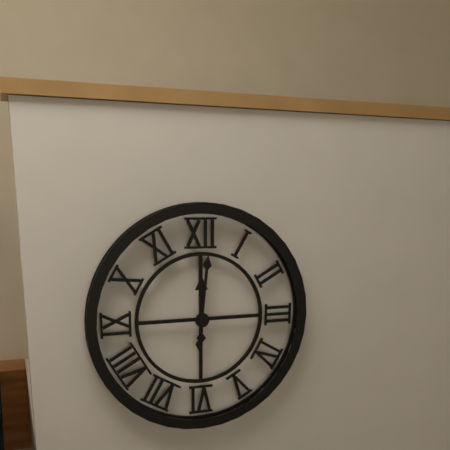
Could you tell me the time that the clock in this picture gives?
12:01
